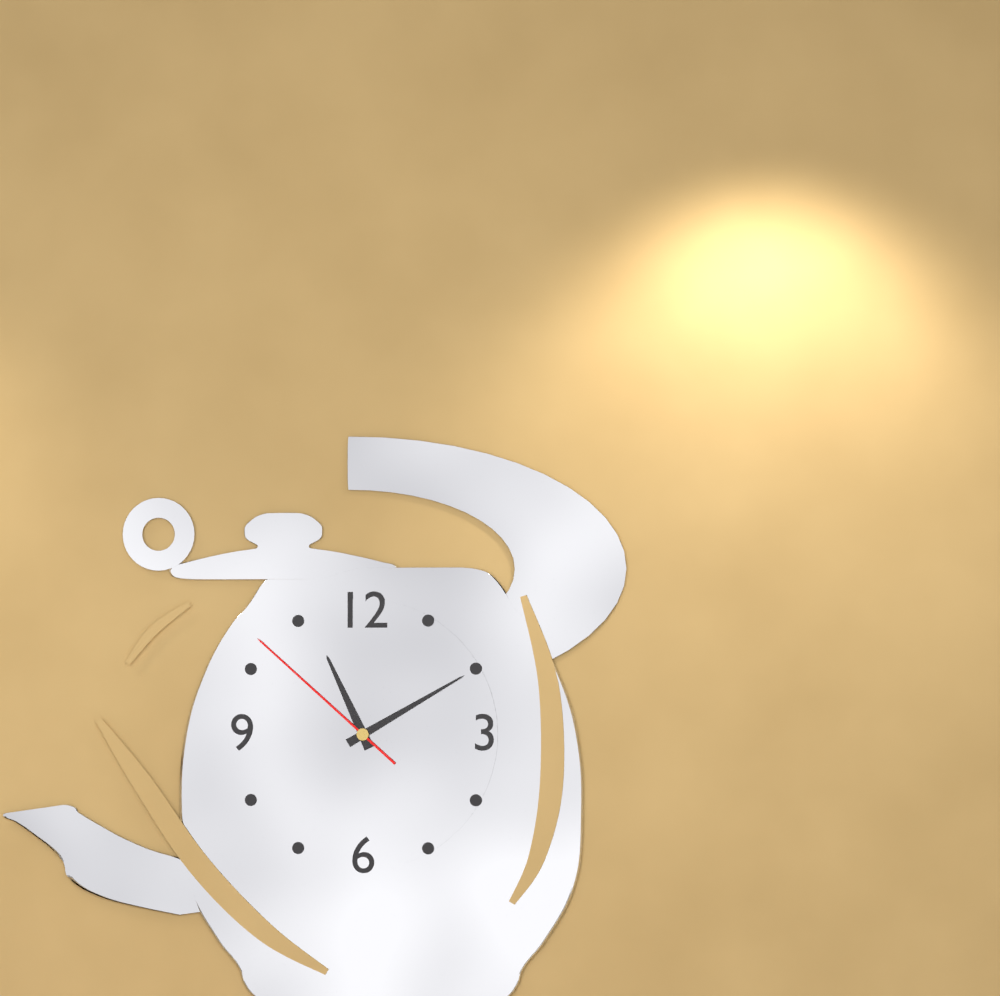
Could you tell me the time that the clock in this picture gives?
11:10:52
